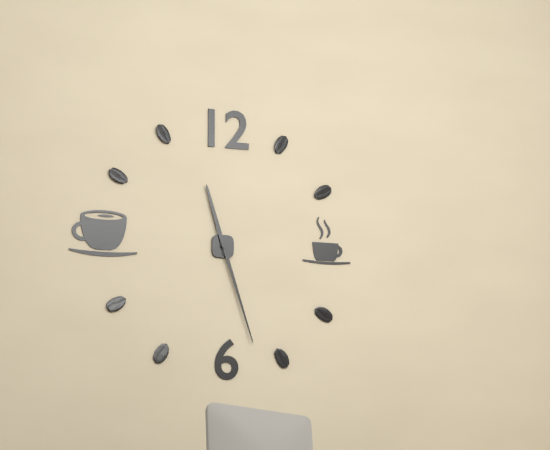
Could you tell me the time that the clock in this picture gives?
11:27
